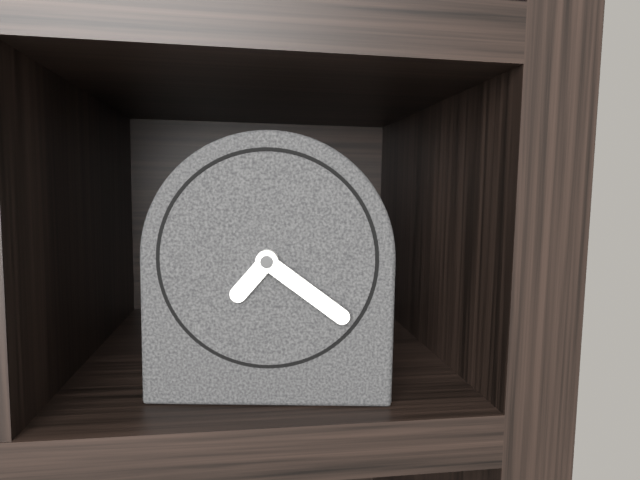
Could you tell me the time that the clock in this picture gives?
7:21
